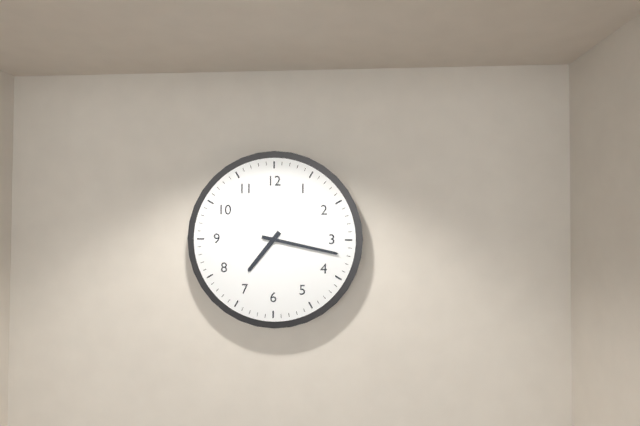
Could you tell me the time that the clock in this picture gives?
7:17
